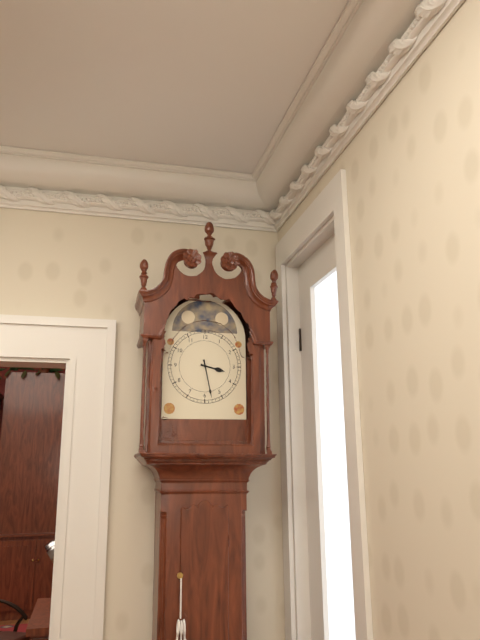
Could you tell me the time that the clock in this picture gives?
3:28
